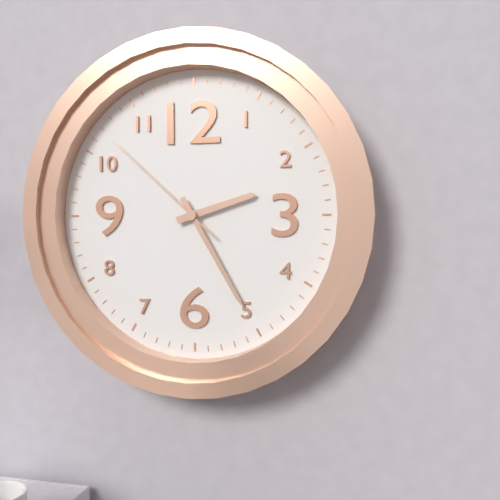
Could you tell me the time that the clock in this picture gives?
2:25:52
